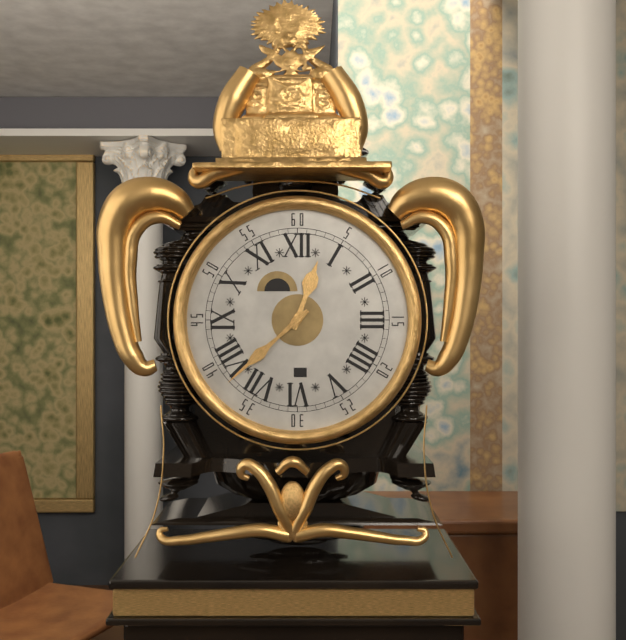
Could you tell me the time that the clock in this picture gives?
12:38
